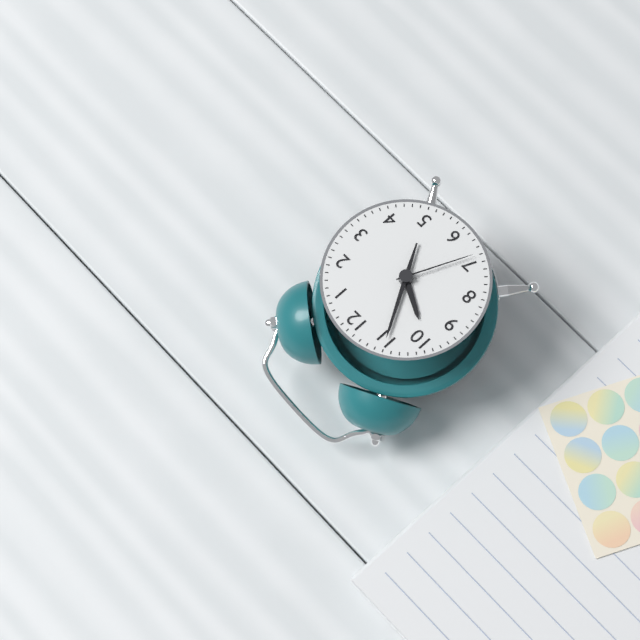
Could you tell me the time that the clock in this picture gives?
9:55:34
